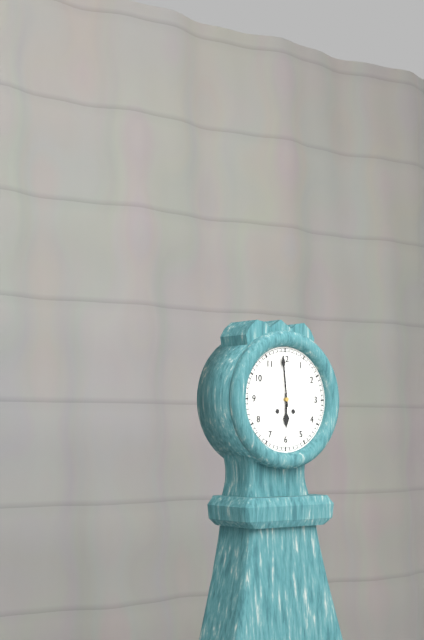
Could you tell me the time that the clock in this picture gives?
5:59
